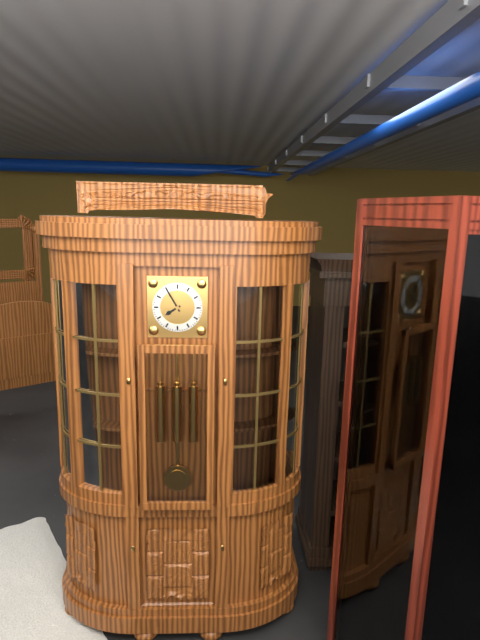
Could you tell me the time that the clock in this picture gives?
7:55
